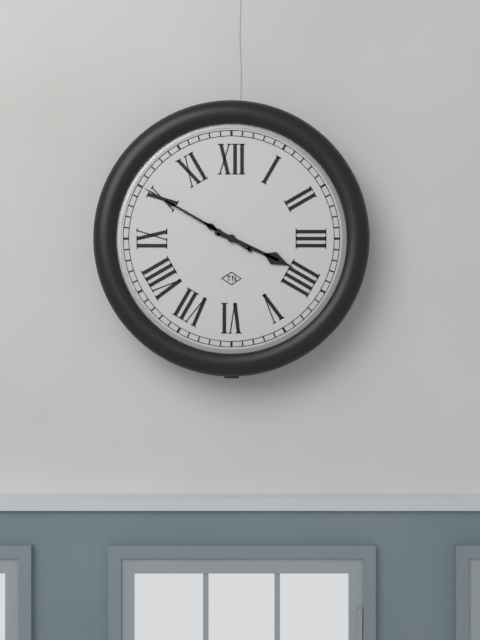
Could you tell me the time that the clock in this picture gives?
3:50
